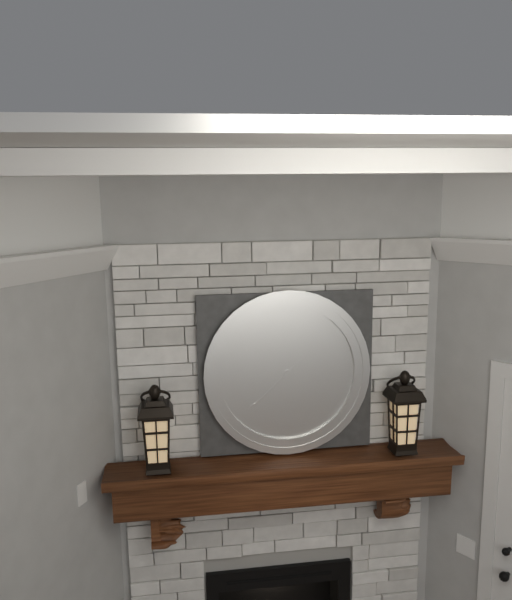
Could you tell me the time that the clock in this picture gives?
1:38
